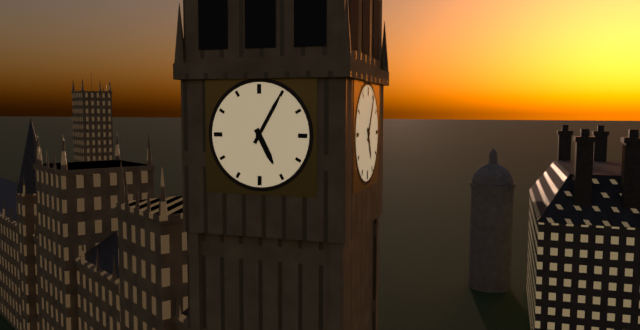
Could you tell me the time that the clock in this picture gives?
5:05
